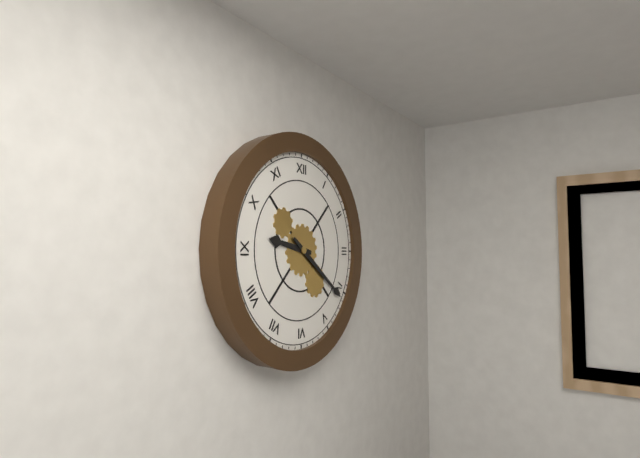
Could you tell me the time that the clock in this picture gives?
9:21
